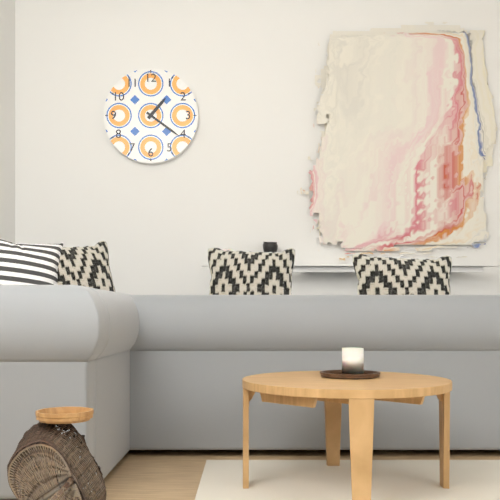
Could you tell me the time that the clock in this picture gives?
1:21
